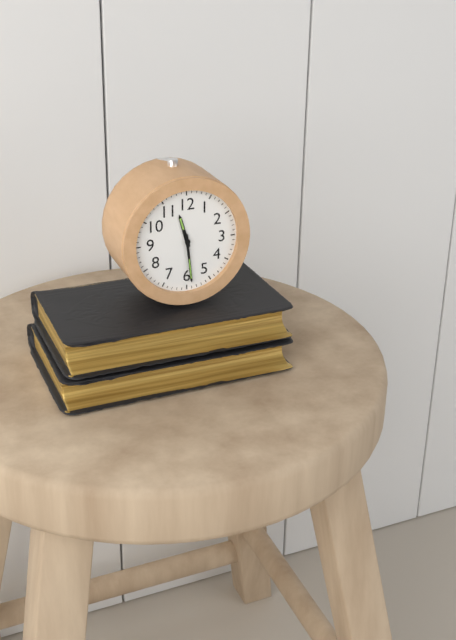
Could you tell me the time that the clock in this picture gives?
11:29
